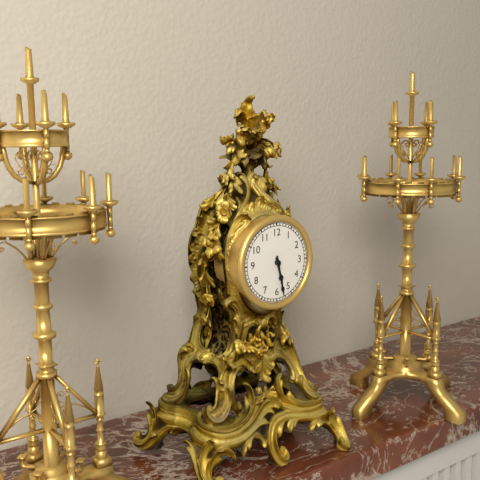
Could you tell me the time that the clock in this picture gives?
5:28
